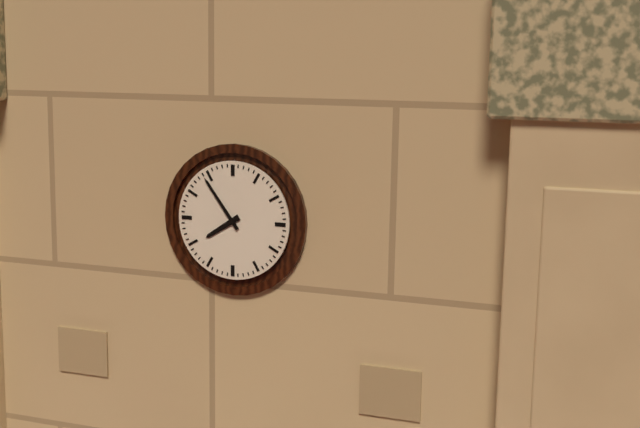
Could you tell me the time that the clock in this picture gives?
7:54
